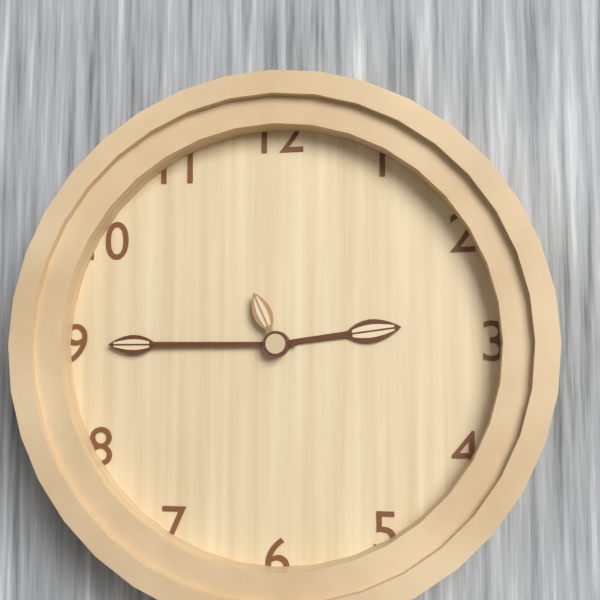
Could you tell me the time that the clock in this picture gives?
2:45:56
